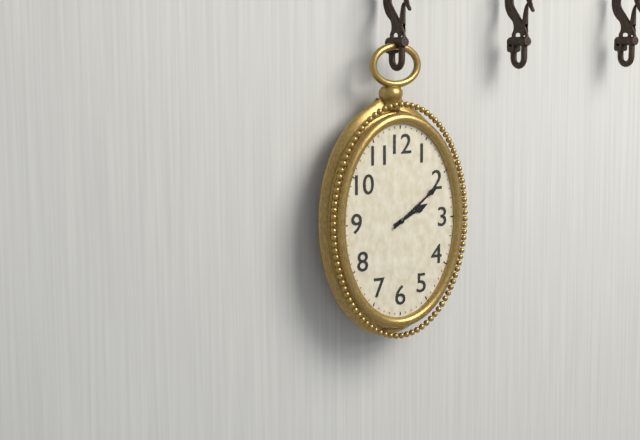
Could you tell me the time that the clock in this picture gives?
2:09
